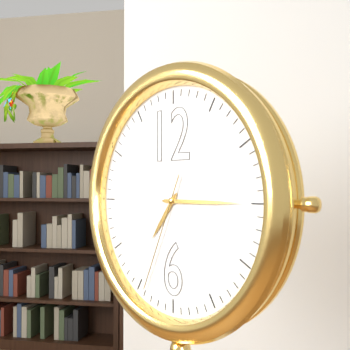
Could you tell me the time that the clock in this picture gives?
7:15:34
